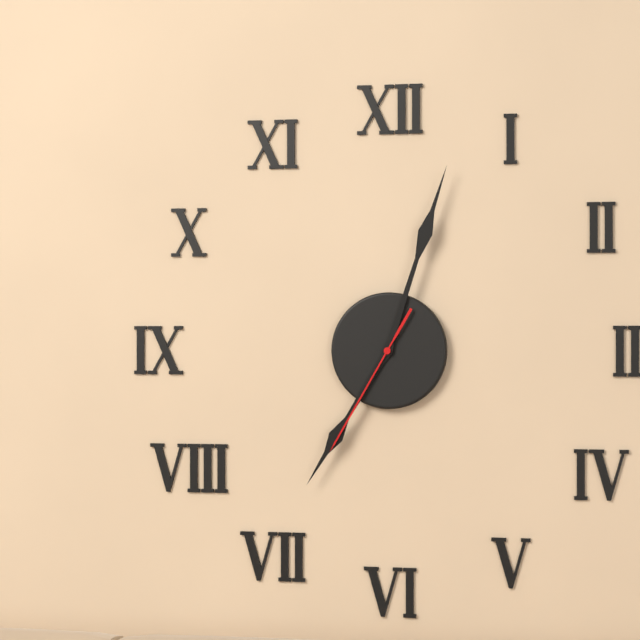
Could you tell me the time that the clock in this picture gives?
7:03:35
